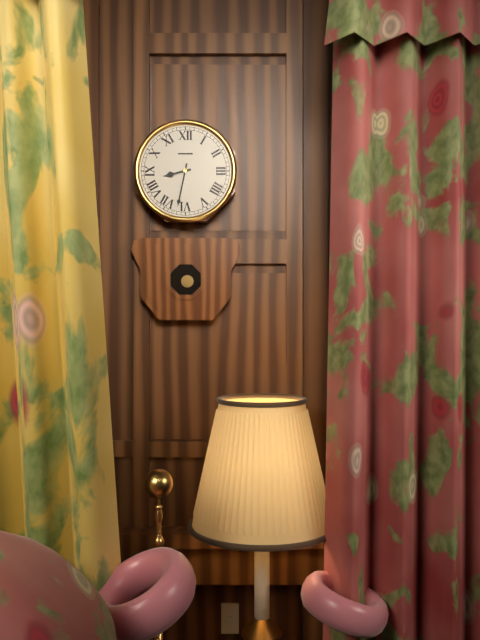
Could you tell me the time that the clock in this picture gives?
8:32
